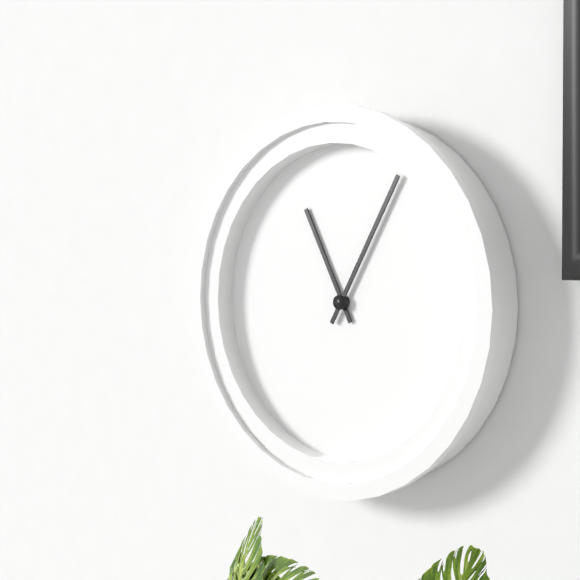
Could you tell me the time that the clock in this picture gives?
11:05
